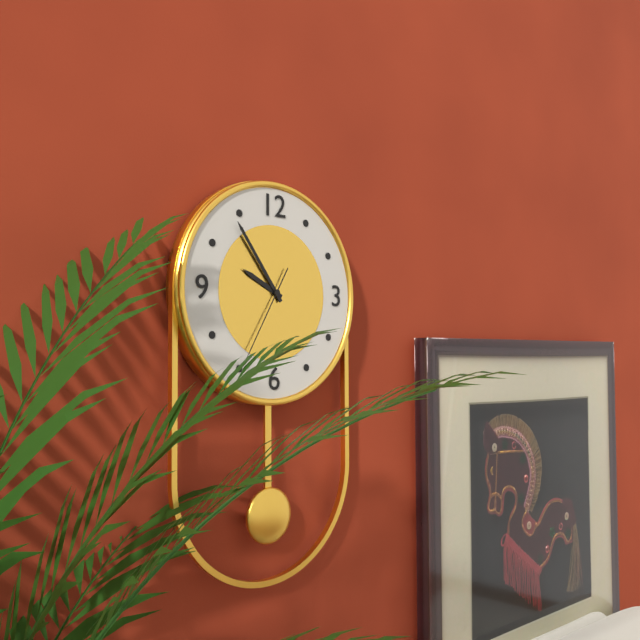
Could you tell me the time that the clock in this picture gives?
9:54:35
